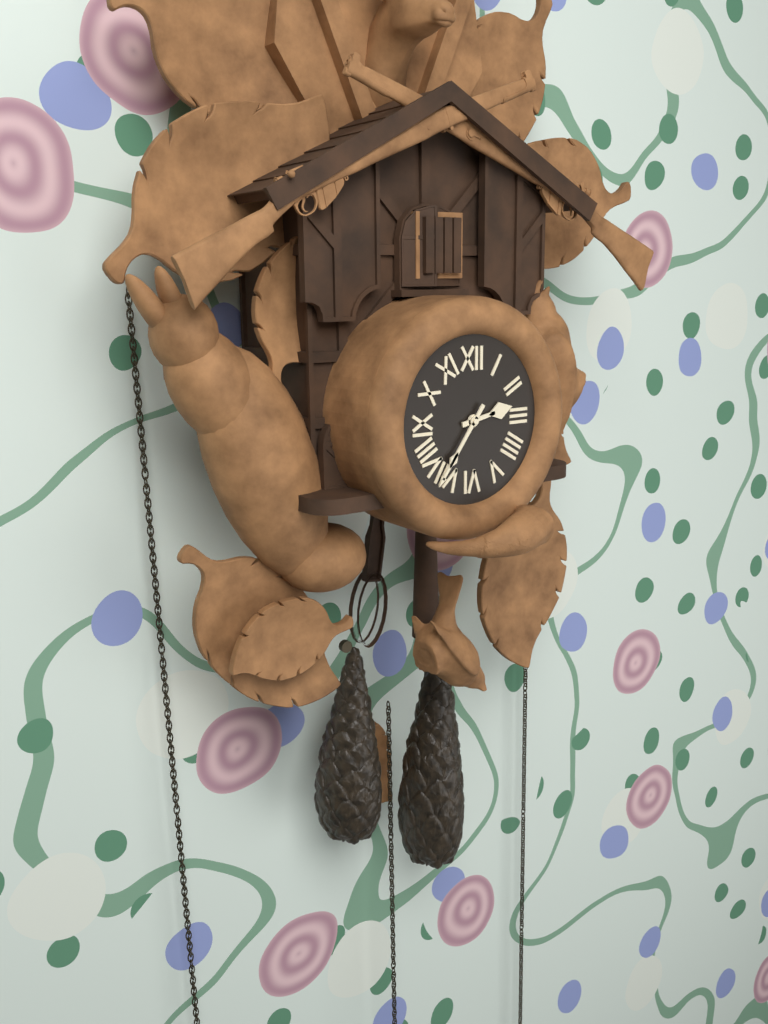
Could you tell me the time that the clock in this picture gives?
2:36
